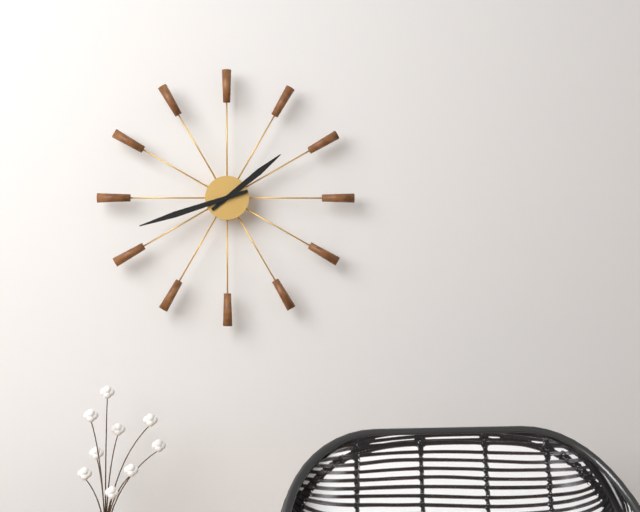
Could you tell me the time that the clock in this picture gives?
1:42
